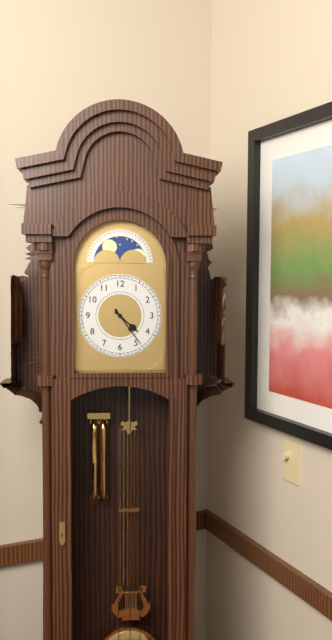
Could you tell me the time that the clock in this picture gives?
4:24
